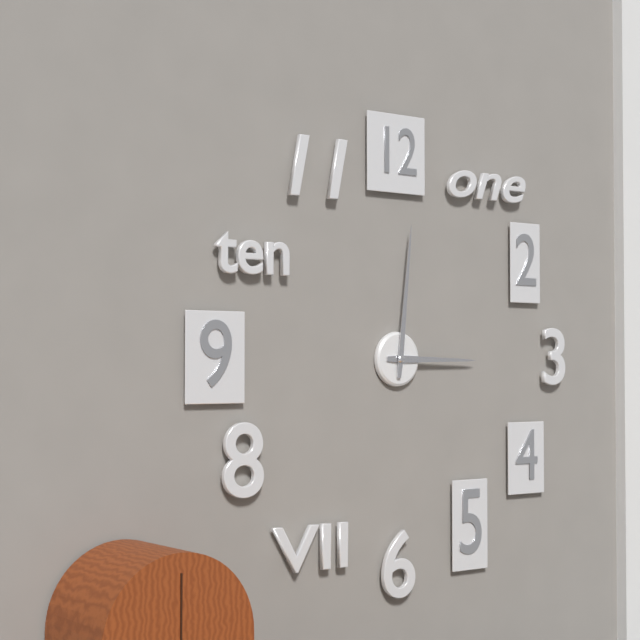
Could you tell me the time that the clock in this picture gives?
3:01
